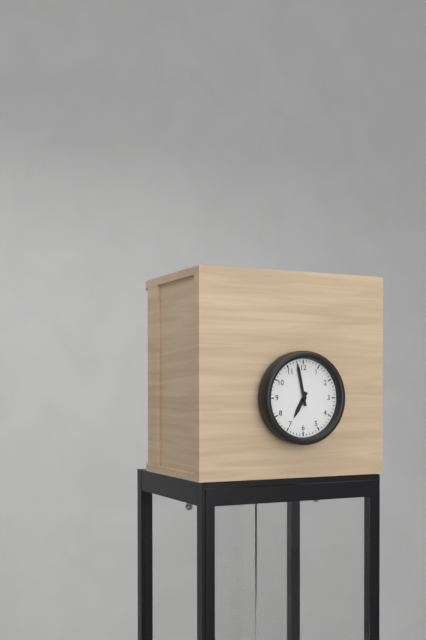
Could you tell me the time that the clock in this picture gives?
6:58
